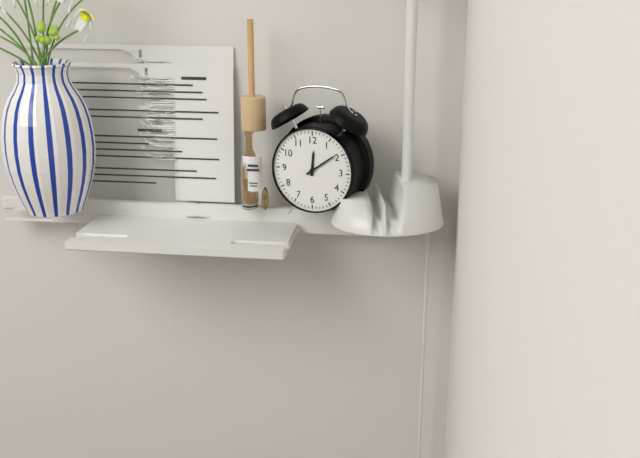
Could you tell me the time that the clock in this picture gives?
12:09
